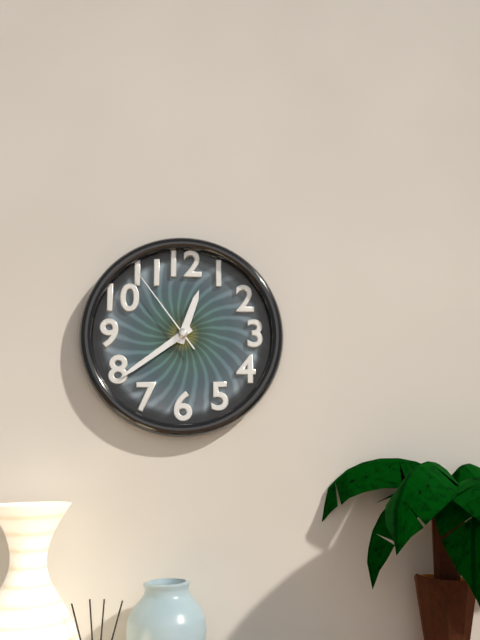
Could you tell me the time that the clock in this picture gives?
12:39:54
